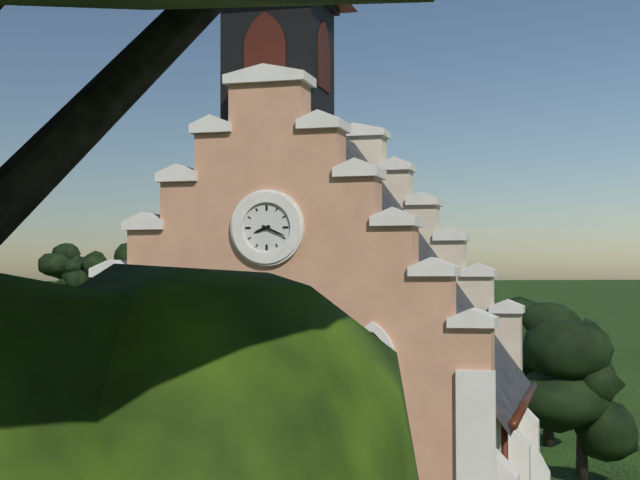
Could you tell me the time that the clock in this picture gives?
8:19
